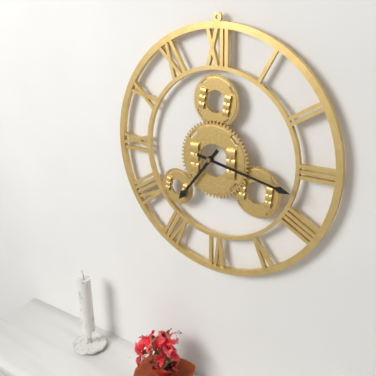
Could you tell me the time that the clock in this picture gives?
7:17
